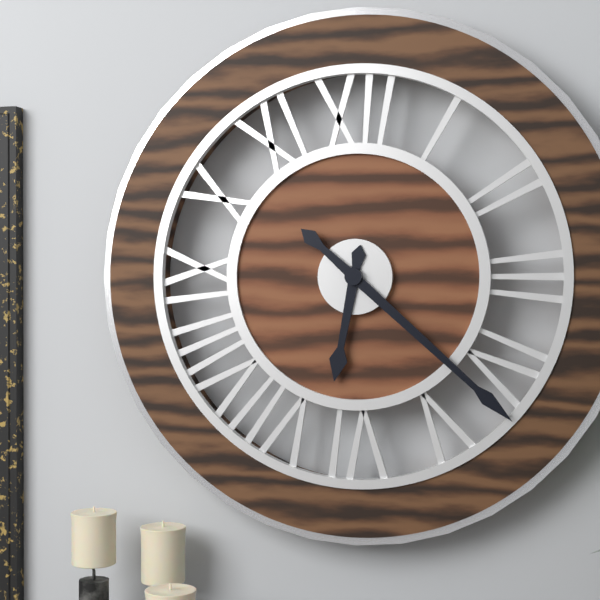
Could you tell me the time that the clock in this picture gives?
6:22
